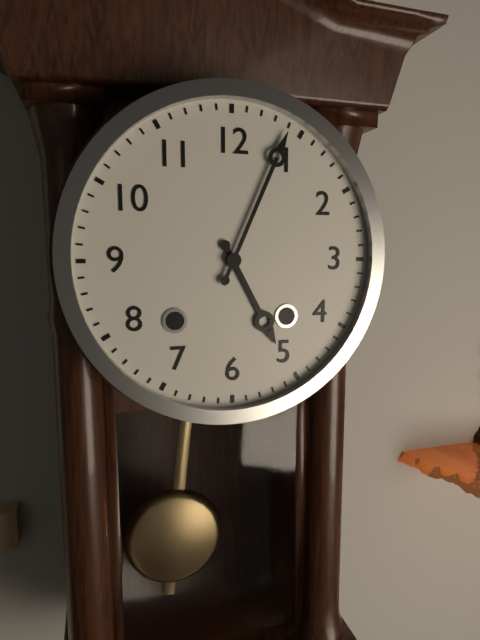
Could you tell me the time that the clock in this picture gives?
5:04
